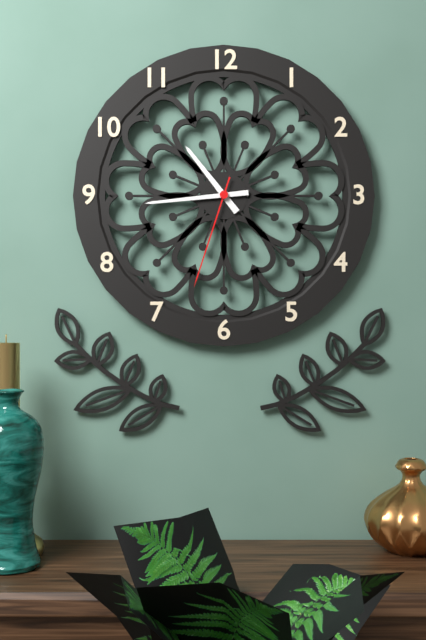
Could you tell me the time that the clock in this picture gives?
10:44:33
